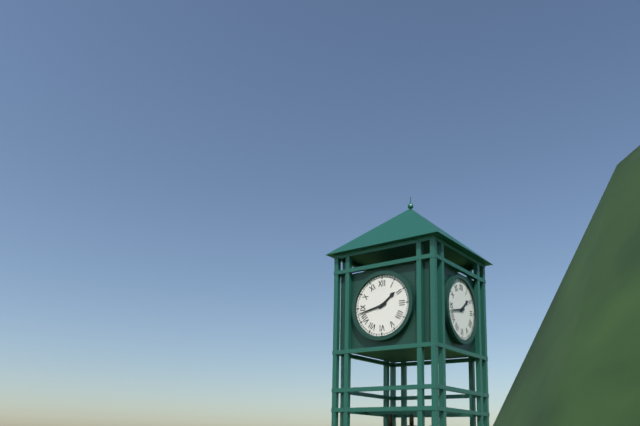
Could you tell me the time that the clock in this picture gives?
1:43
